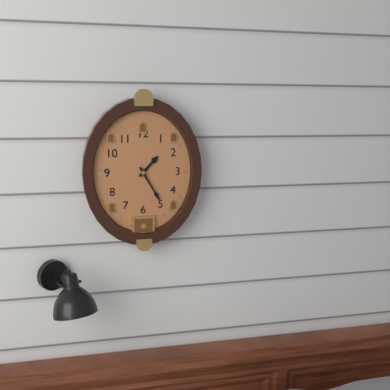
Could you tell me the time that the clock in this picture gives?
1:25
